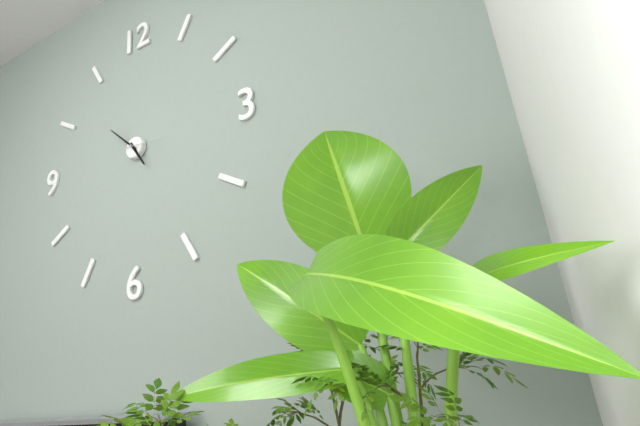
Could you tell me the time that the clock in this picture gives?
4:52
